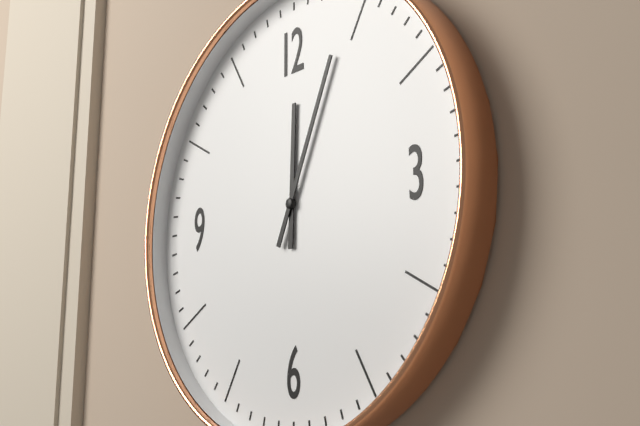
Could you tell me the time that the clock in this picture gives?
12:04
